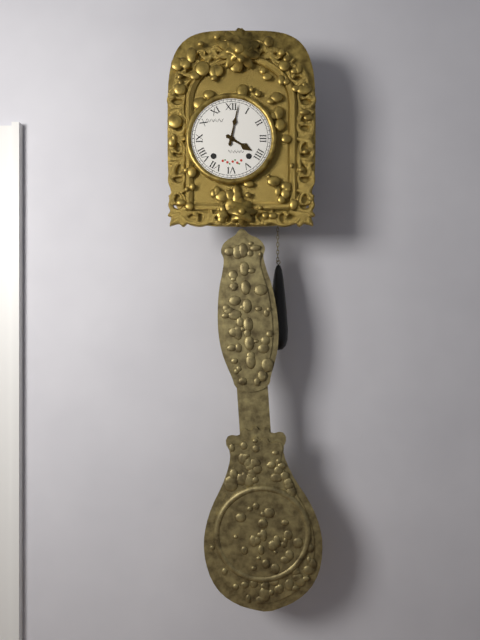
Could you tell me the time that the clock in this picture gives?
4:02
